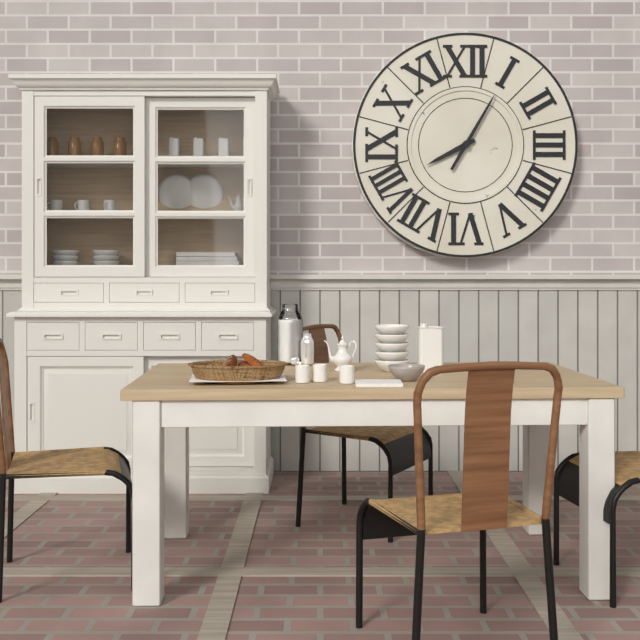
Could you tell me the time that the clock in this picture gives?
8:05
